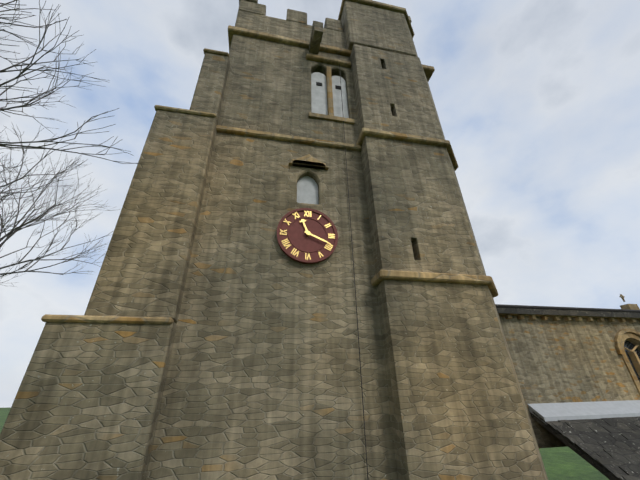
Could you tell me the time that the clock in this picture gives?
11:19
